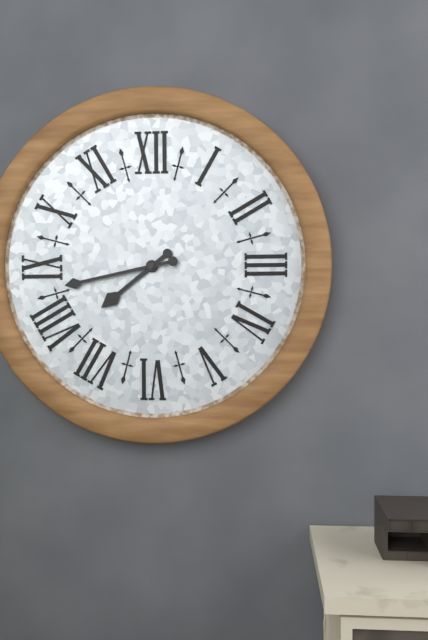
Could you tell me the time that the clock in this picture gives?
7:43
